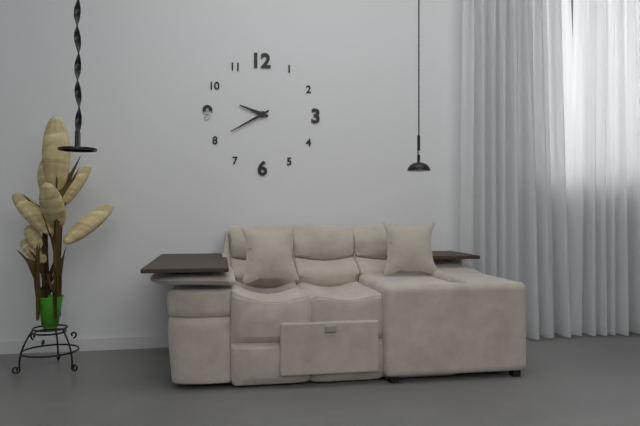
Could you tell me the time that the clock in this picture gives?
9:40
